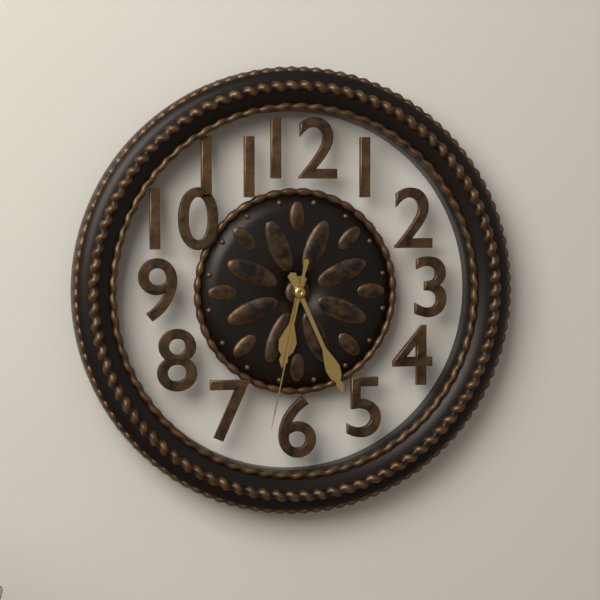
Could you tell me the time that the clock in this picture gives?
6:26:32
